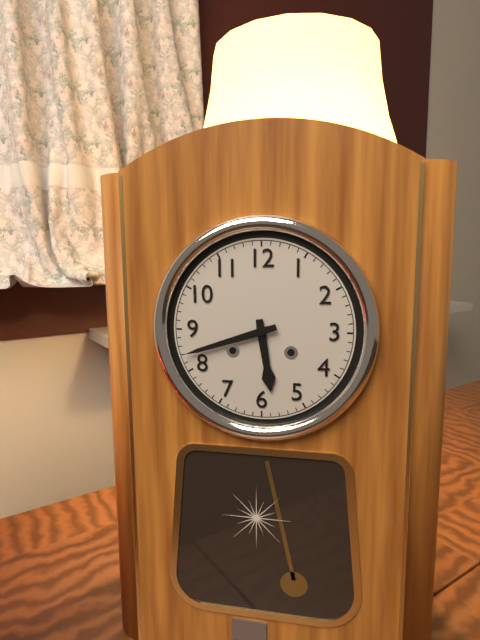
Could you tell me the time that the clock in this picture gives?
5:42
